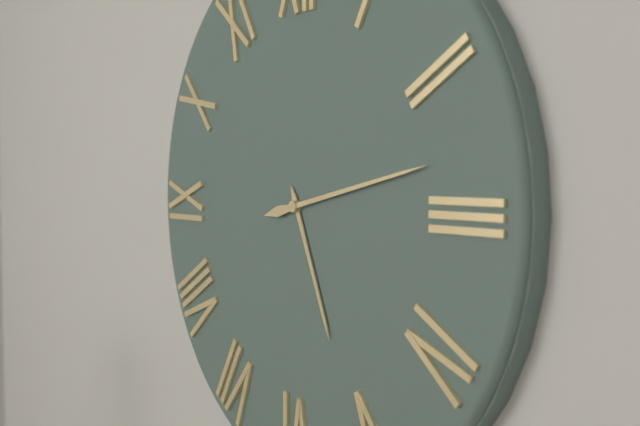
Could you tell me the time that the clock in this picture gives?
5:13
